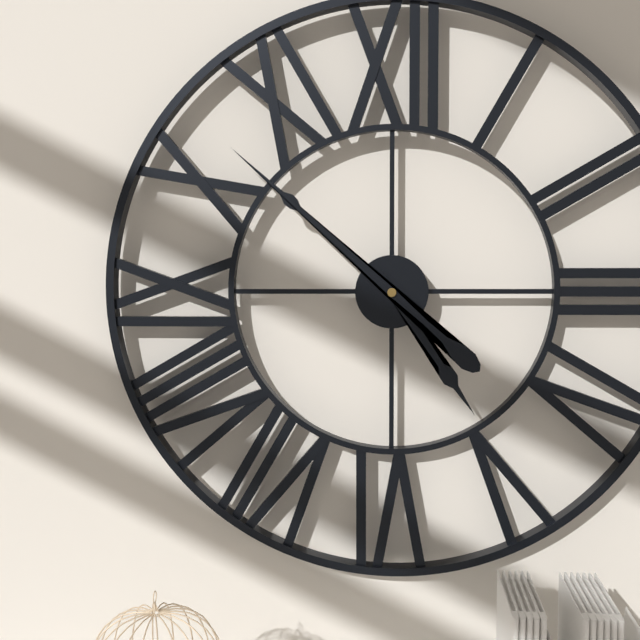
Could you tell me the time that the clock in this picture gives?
4:52
